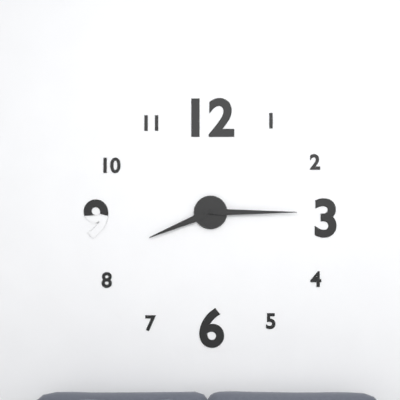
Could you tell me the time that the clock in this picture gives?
8:15
